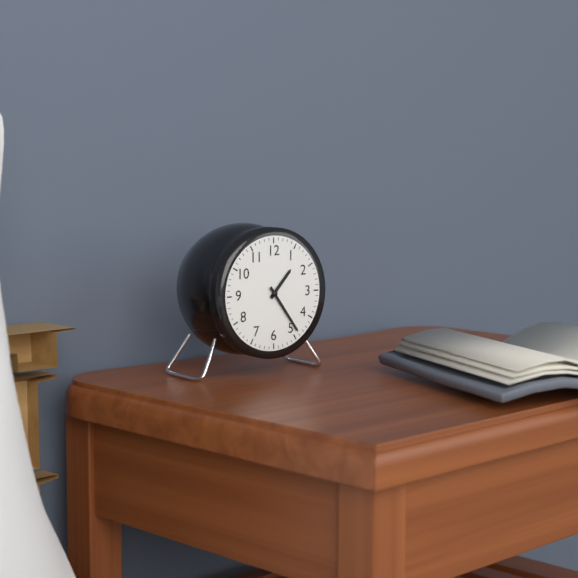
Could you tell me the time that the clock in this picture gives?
1:24
